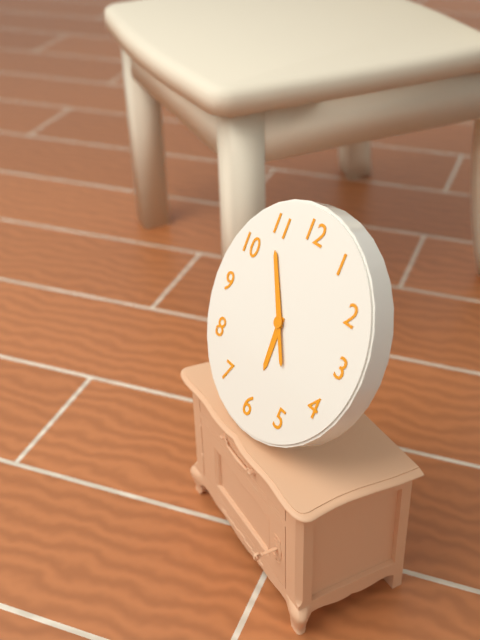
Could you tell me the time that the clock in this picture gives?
5:54:24
